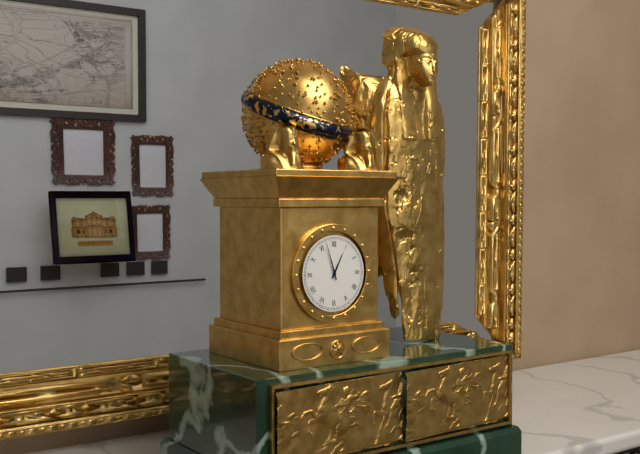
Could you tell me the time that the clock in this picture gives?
12:57
